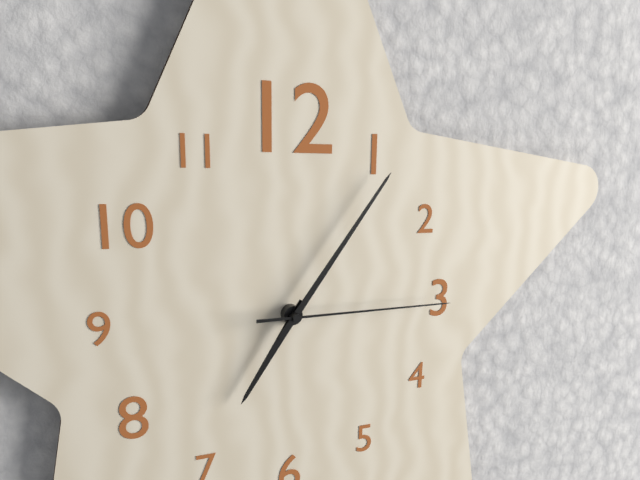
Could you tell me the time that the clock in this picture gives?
7:06:15
